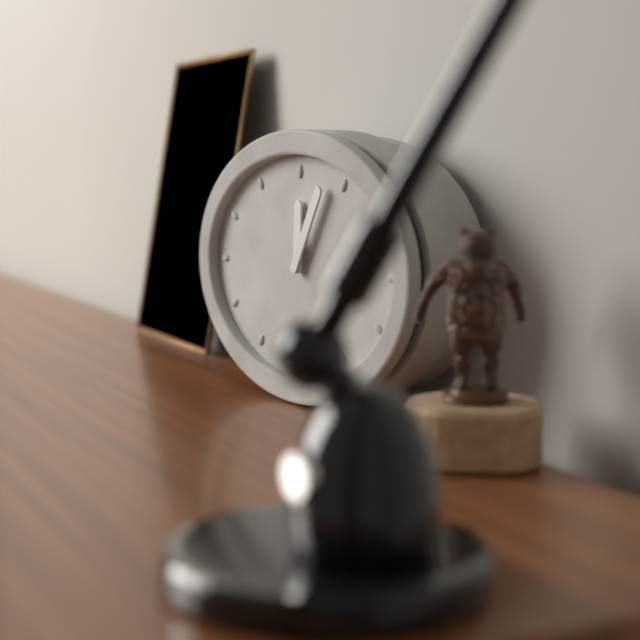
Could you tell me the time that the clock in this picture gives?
12:05
